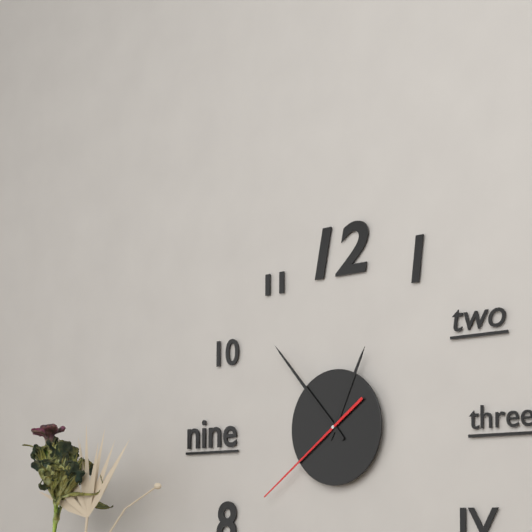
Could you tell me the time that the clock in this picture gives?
12:53:39
